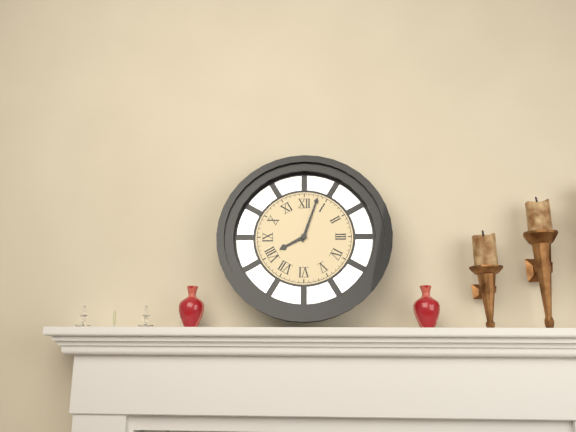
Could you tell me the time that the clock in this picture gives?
8:03
